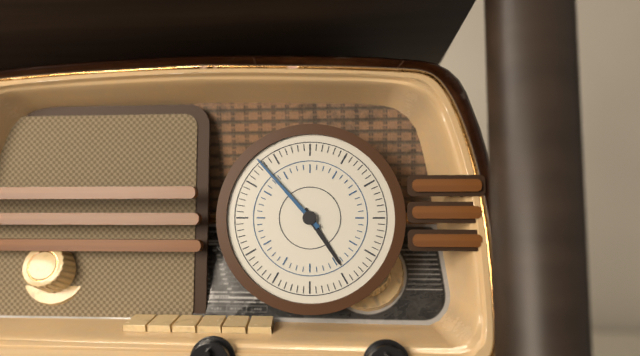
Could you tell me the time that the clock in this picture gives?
4:53
